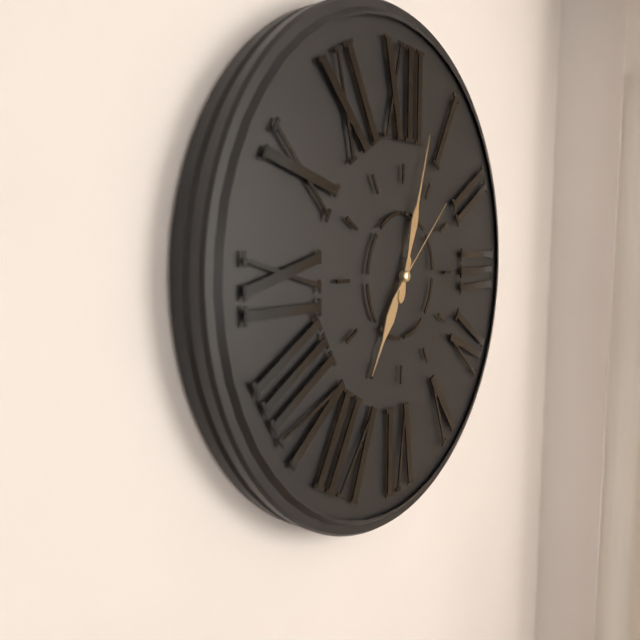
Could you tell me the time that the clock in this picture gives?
7:03:08
